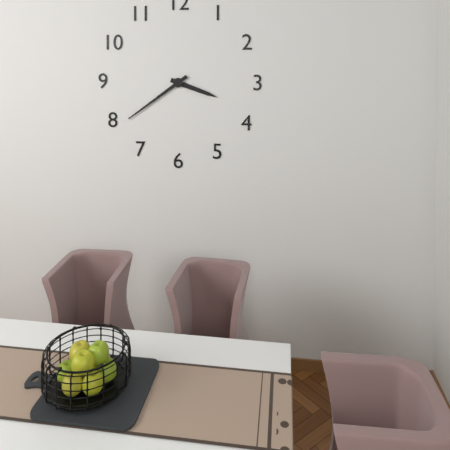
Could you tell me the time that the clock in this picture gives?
3:39
